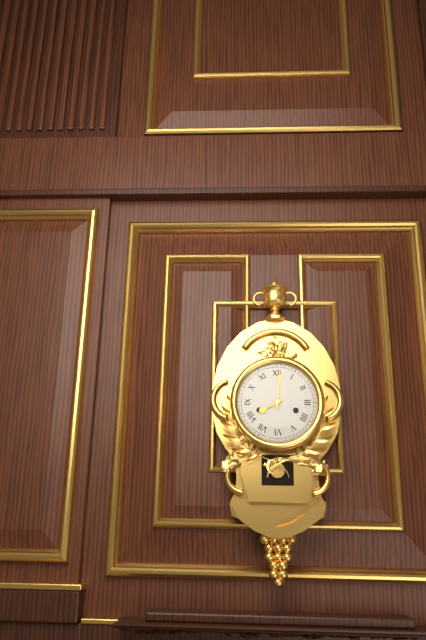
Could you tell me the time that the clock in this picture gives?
8:01
